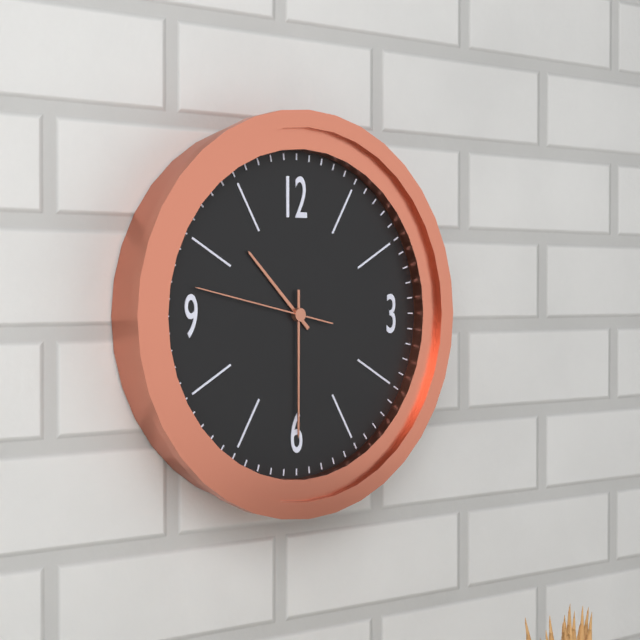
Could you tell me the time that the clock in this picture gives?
10:30:47
